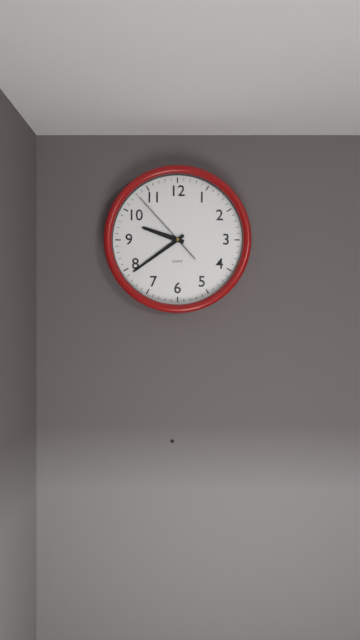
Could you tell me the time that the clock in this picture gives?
9:39:53
